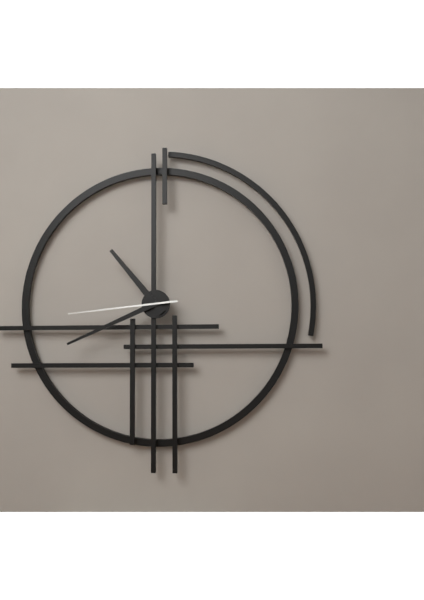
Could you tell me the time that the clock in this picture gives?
10:41:44
